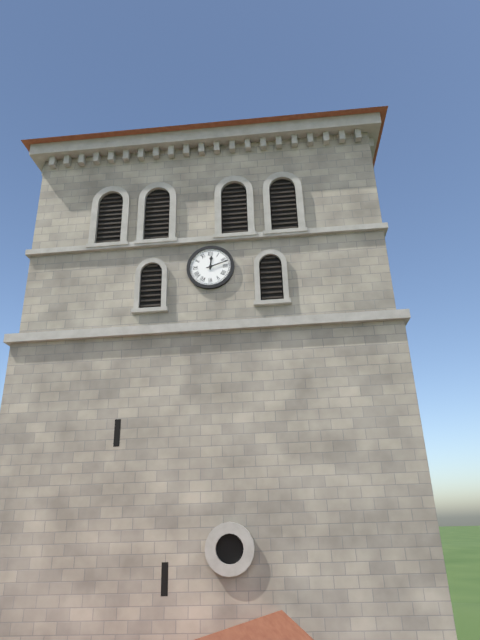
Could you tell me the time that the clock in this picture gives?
12:12
